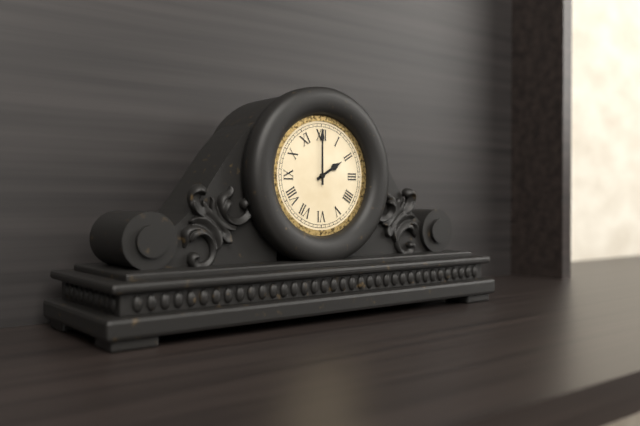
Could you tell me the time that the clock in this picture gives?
2:00
